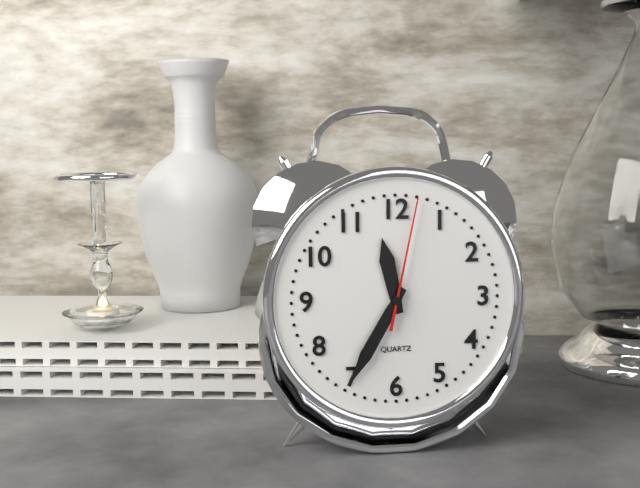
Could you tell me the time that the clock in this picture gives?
11:35:02
